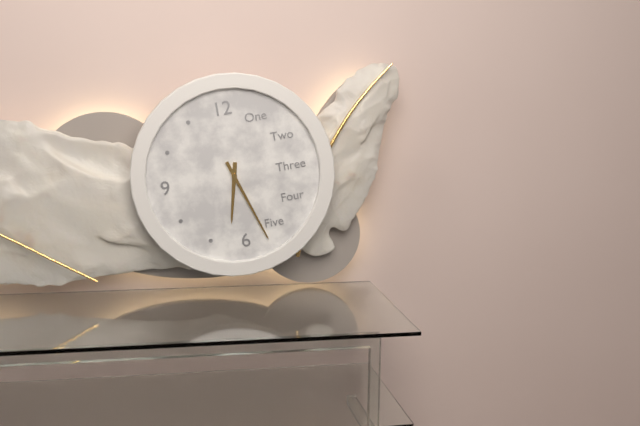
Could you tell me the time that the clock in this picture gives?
6:27
